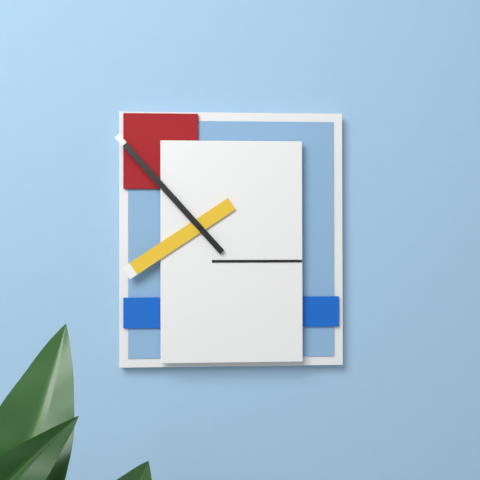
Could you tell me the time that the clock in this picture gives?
7:53
